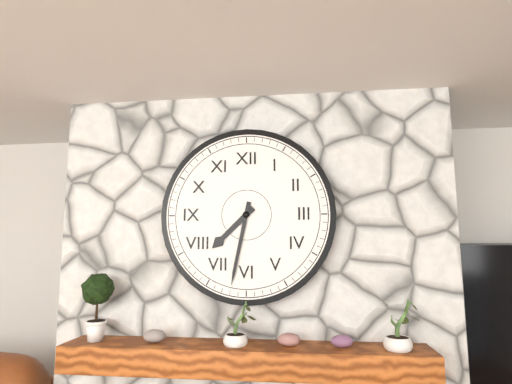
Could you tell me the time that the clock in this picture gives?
7:32
